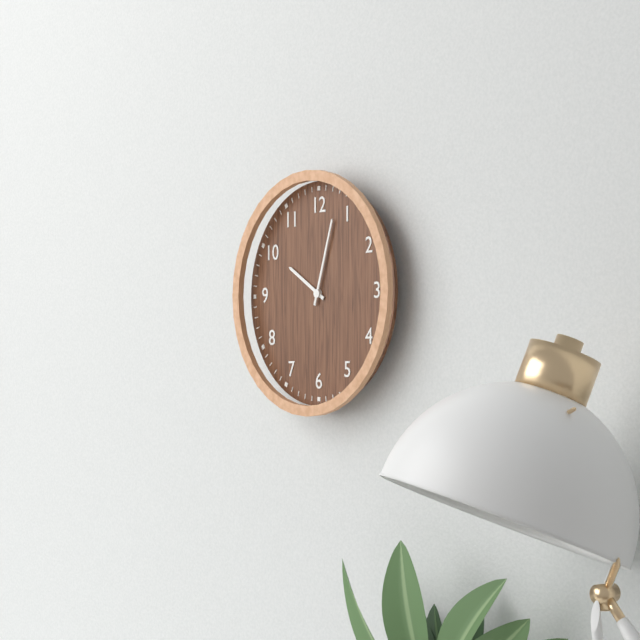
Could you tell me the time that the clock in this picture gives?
10:03
